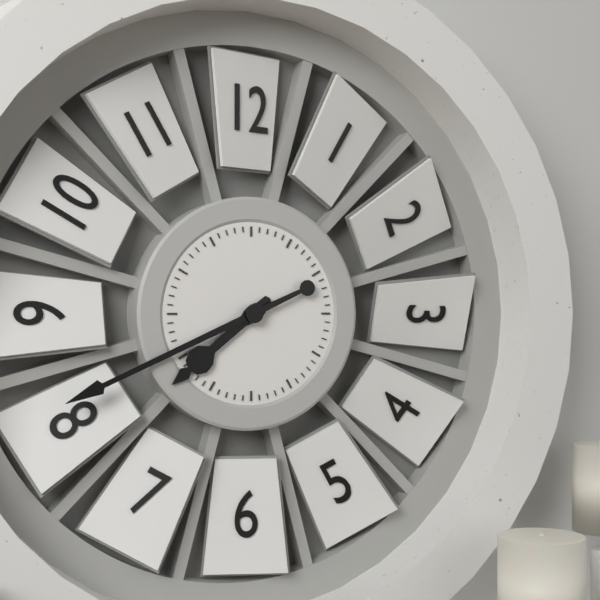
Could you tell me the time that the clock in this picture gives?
7:41
